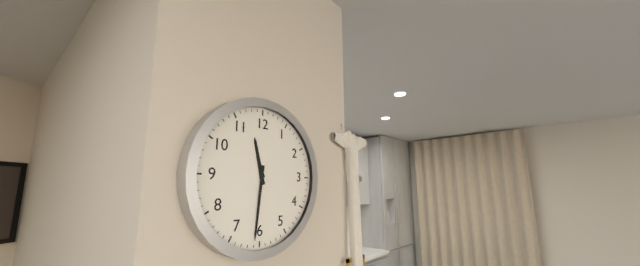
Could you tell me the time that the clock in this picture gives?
11:31
